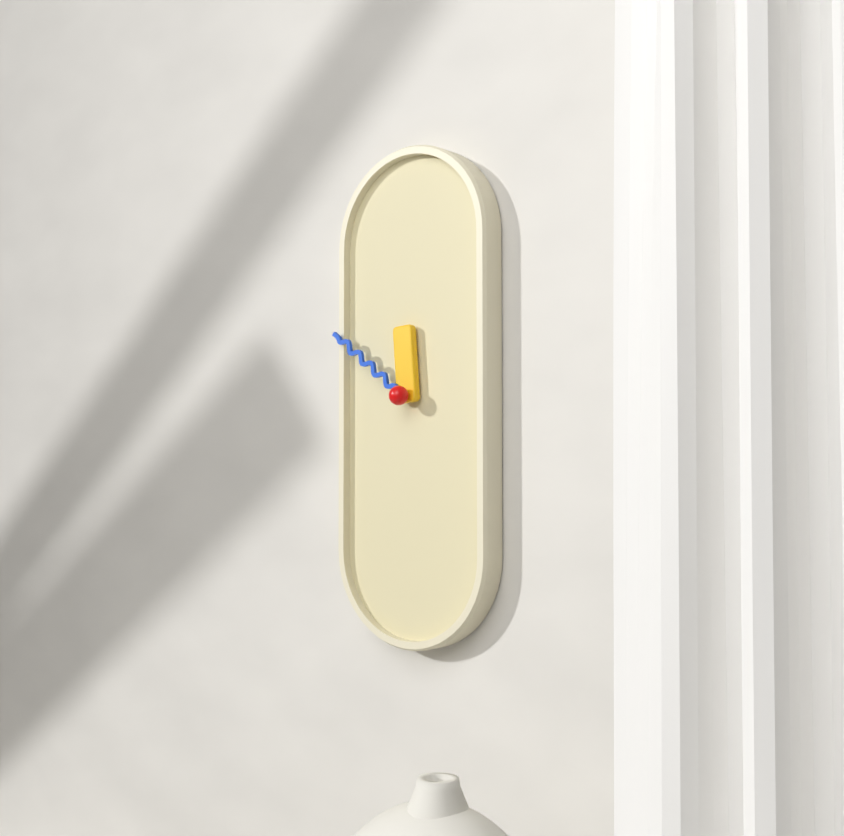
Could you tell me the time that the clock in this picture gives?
11:51
